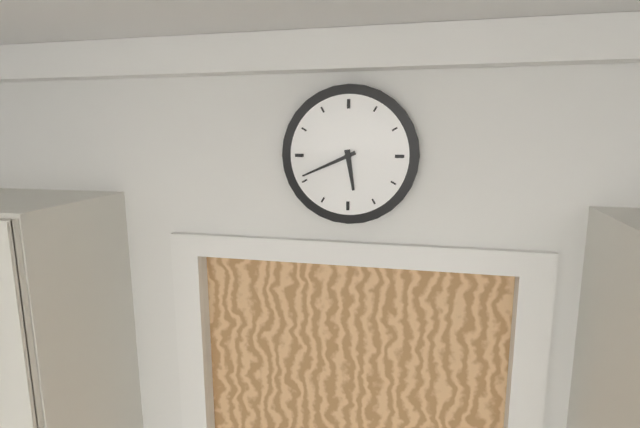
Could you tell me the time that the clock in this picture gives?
5:41
